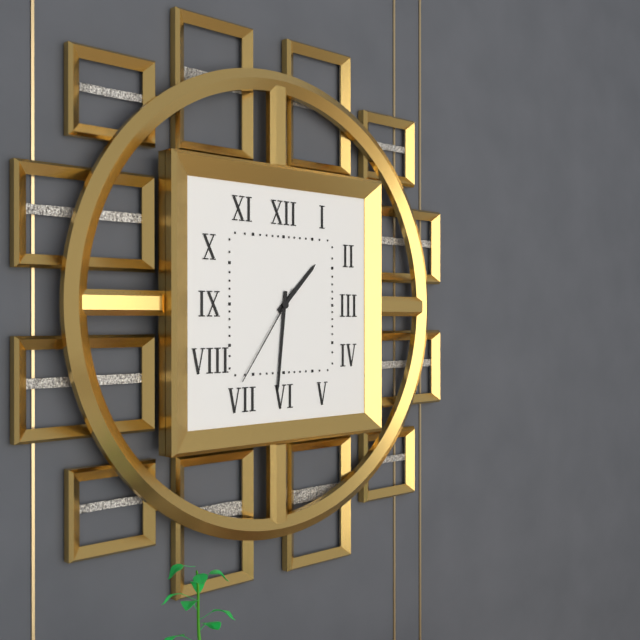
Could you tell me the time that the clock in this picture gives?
1:31:36
